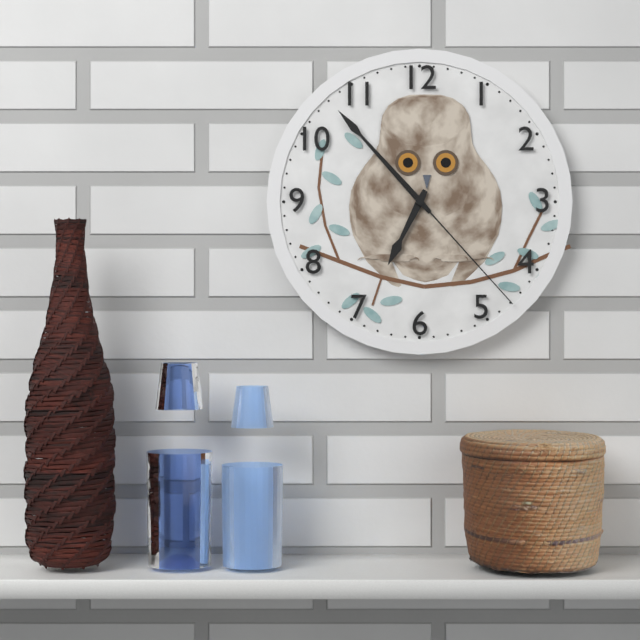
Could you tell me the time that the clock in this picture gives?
6:53:23
